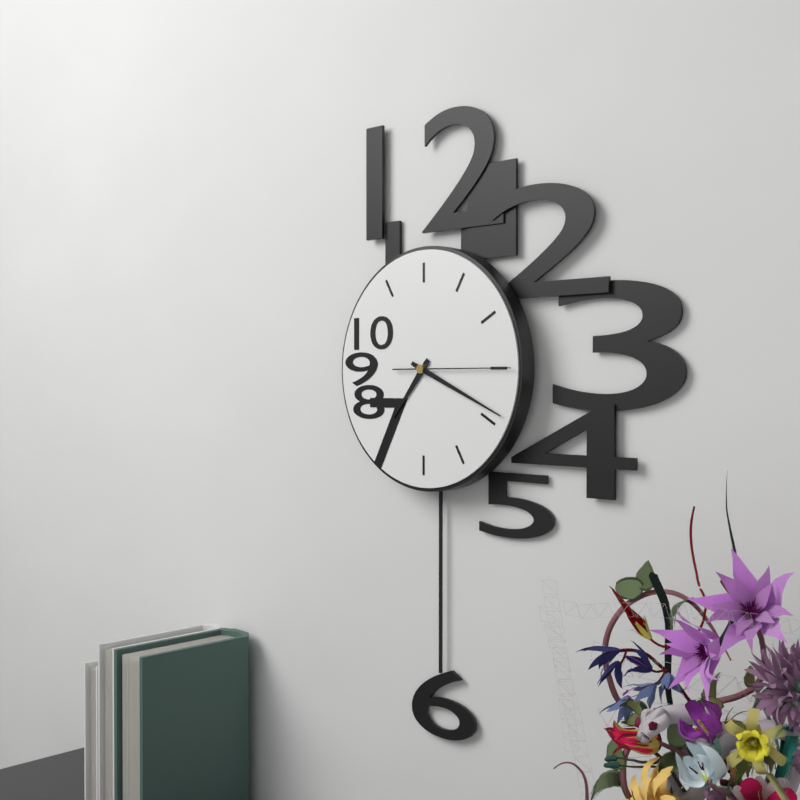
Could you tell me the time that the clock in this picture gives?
7:19:15
